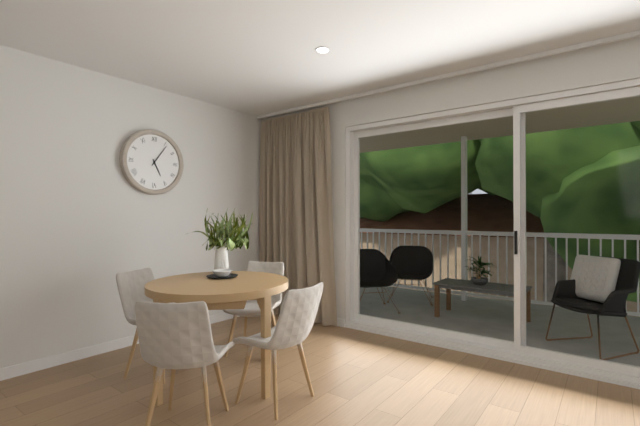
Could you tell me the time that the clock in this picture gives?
5:06
